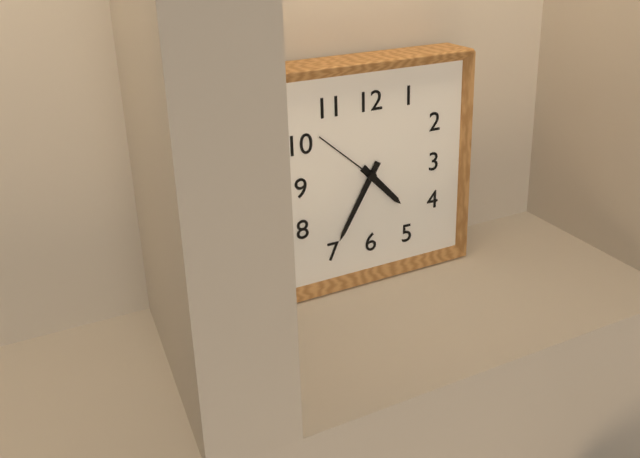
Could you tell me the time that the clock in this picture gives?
4:35:52
